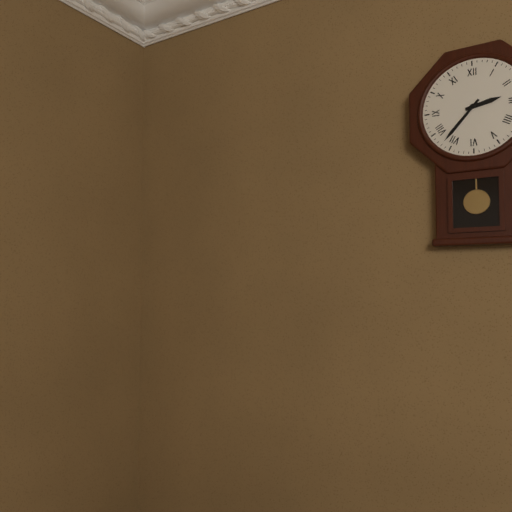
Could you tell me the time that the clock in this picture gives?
2:37
